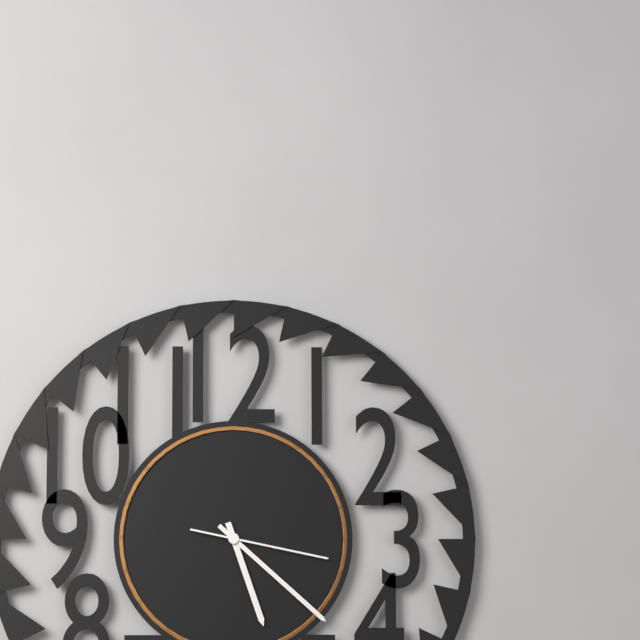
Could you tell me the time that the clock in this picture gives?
5:22:17
